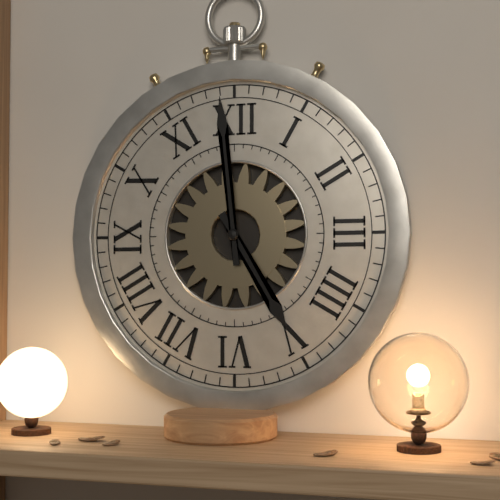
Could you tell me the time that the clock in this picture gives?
4:59
